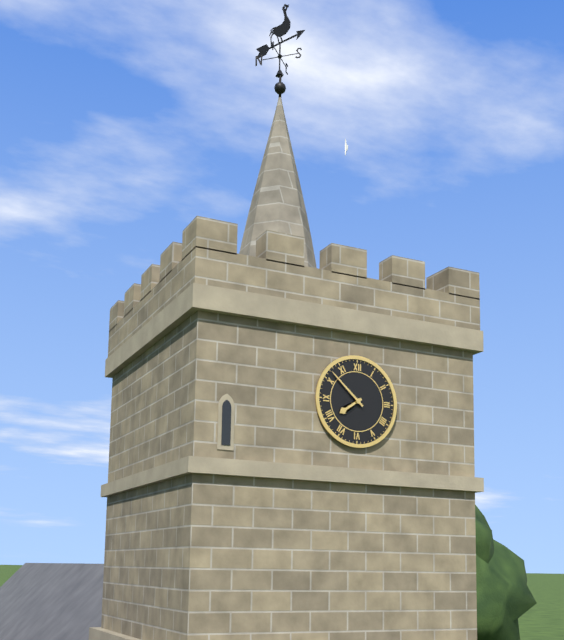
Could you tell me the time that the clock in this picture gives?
7:52
